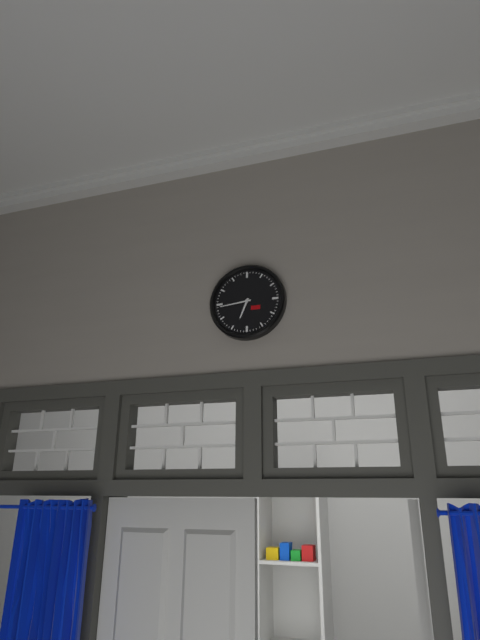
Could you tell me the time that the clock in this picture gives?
6:44
